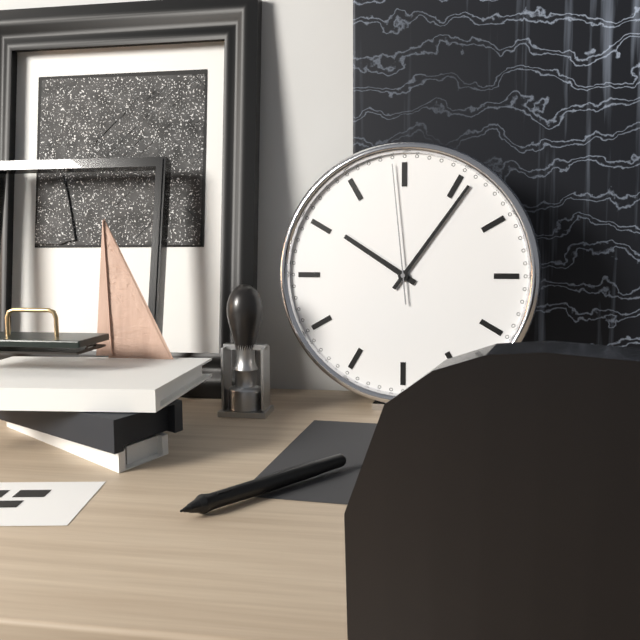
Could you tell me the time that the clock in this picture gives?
10:06:59
